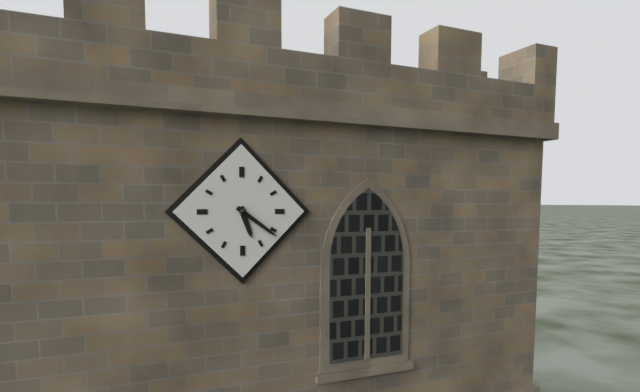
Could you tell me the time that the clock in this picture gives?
5:21
